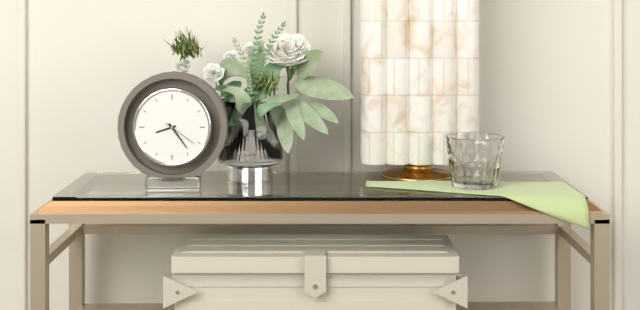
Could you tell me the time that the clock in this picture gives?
8:24
